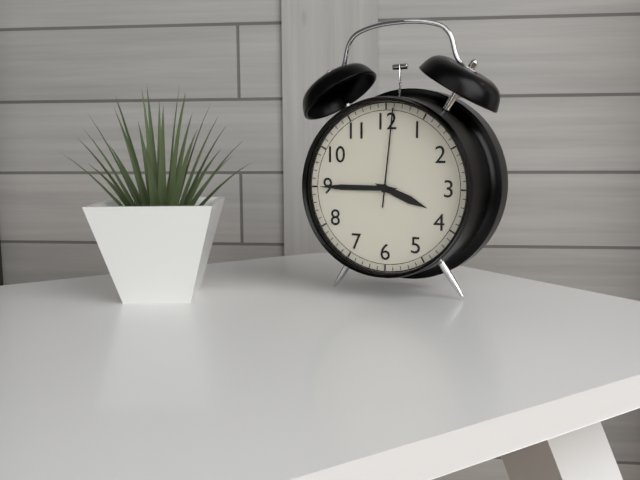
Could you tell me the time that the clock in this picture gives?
3:45:01
